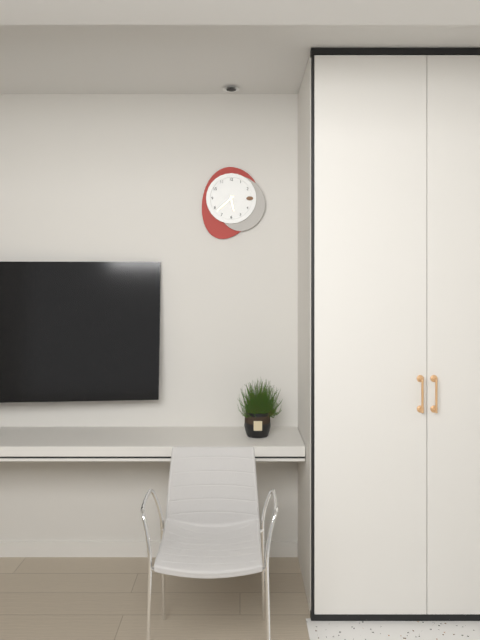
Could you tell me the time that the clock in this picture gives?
5:38
